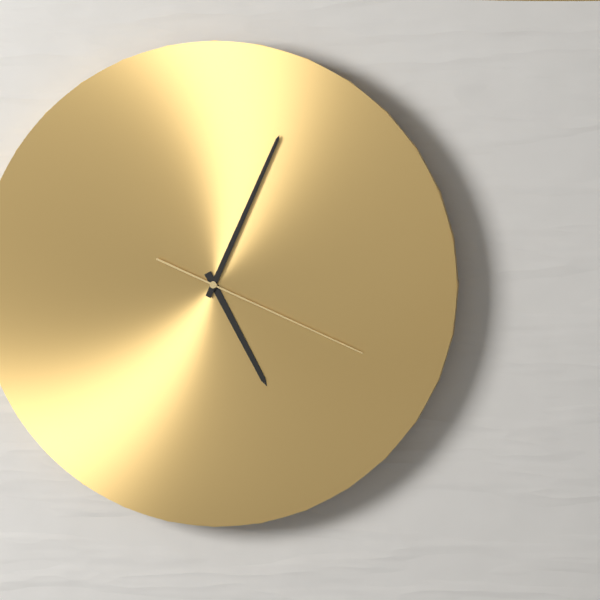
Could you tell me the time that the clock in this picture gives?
5:04:19
